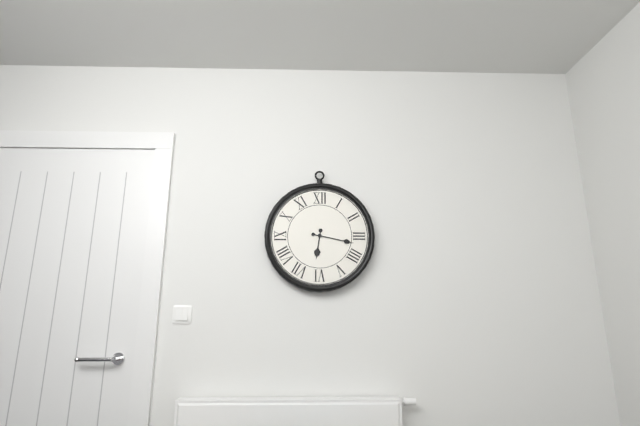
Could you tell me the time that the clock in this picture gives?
6:17
